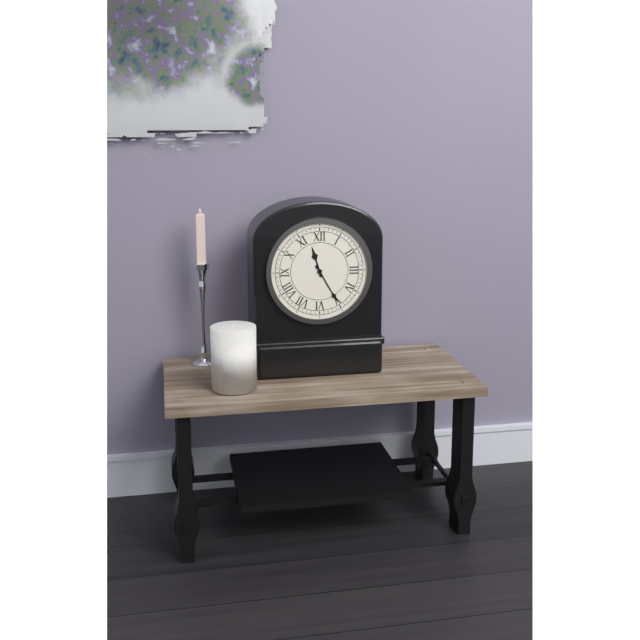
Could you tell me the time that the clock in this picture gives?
11:25
